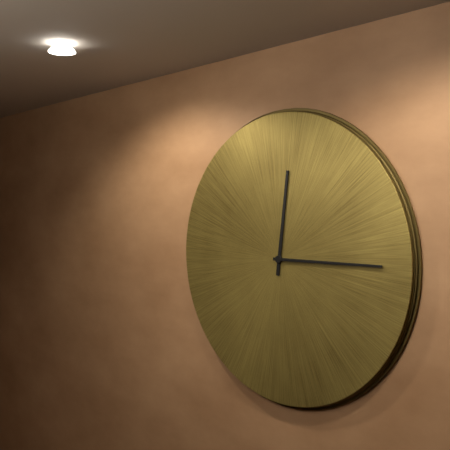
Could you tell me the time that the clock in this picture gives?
12:15
